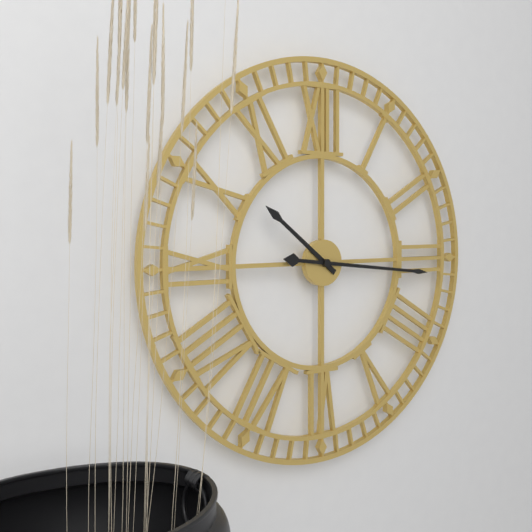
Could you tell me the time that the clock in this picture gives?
10:16
